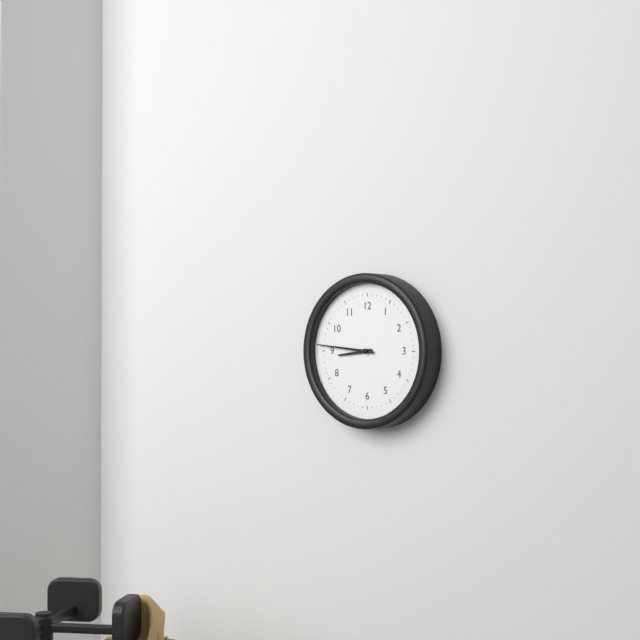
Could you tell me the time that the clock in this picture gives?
8:46
